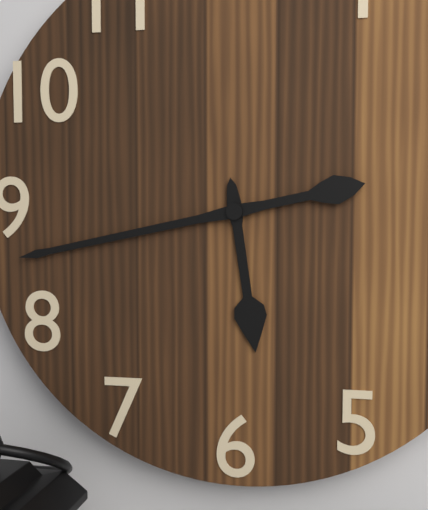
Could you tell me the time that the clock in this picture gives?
5:43
